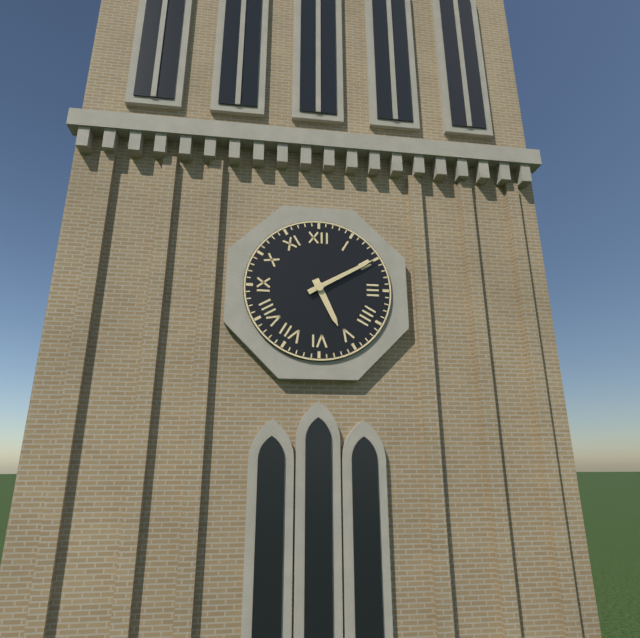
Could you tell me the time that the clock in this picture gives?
5:10
